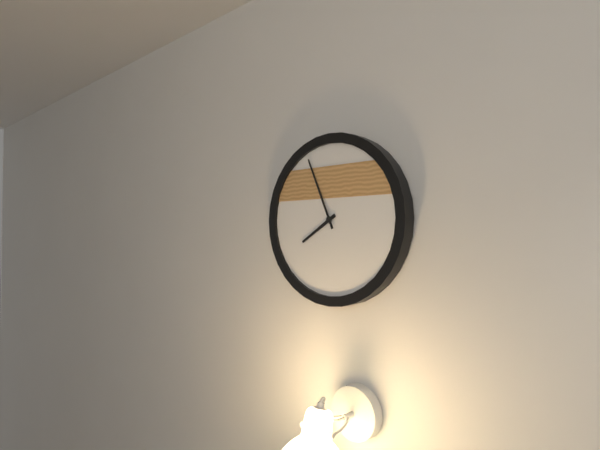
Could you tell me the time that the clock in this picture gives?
7:56
